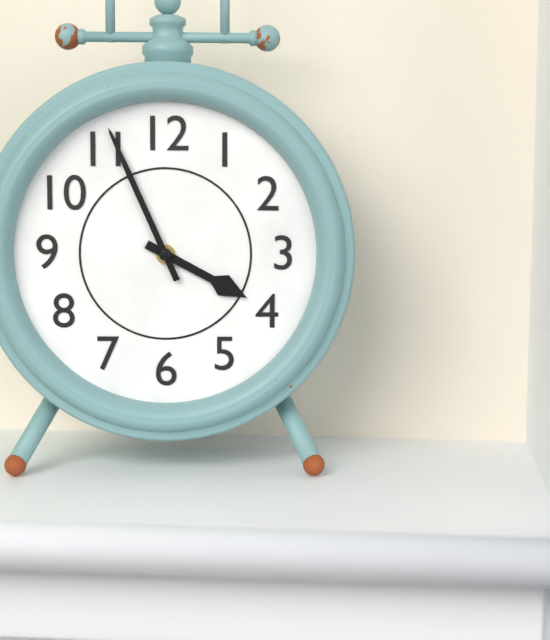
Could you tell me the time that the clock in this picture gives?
3:56
